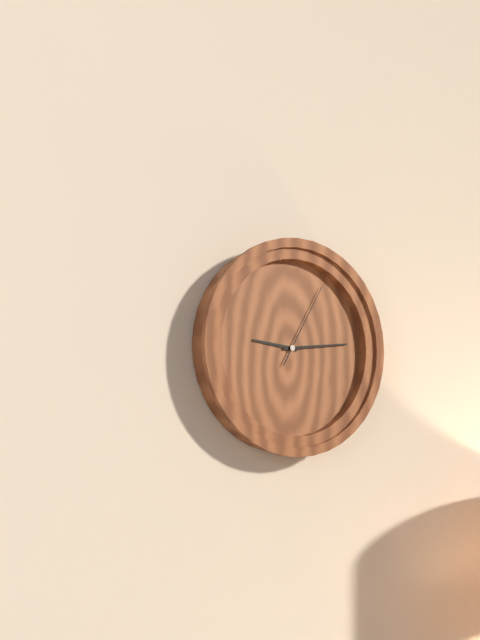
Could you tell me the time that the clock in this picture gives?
9:14:05
